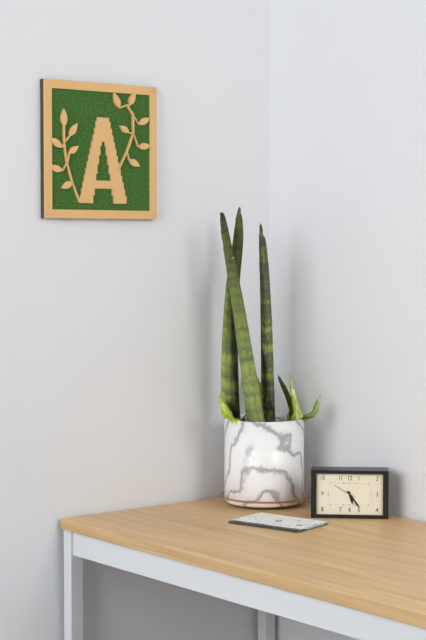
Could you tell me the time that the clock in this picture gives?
5:24
